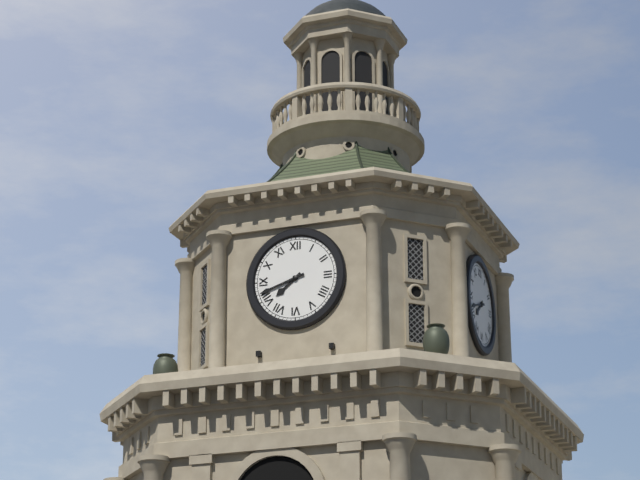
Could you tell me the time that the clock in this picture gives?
7:42
